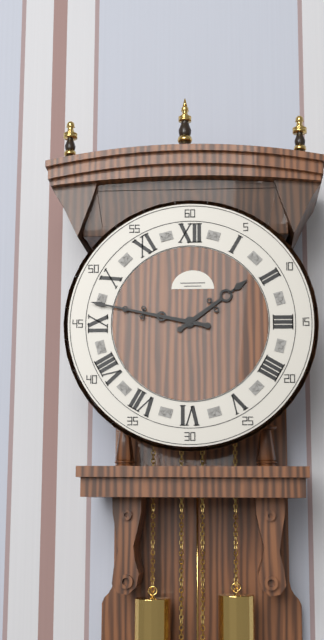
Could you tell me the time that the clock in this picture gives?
1:47
